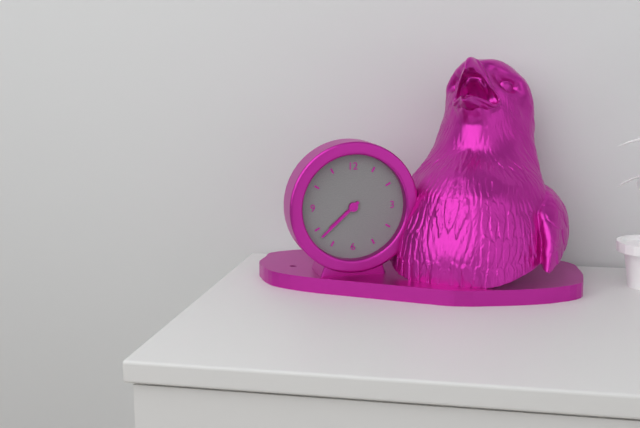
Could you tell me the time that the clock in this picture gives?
7:38
